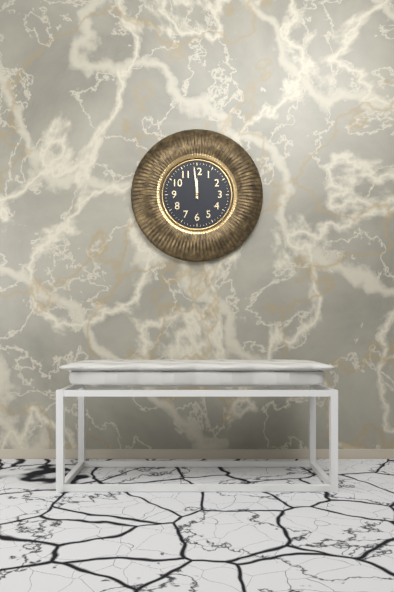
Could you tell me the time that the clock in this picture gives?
11:59
